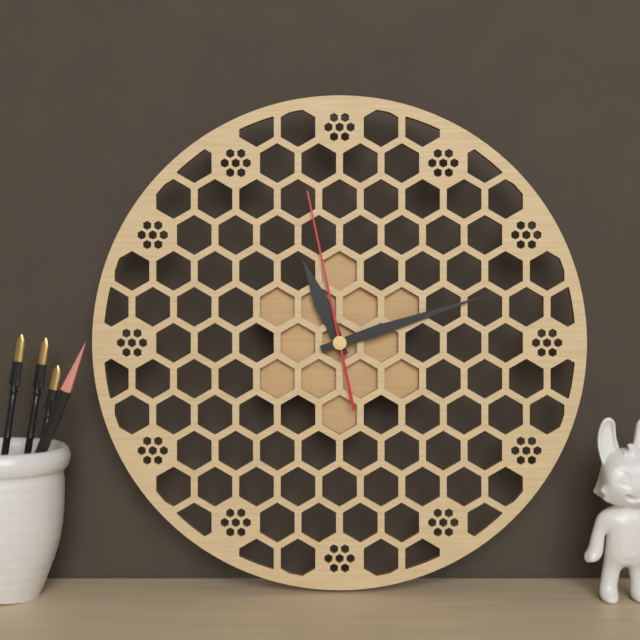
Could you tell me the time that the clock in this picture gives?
11:12:58
